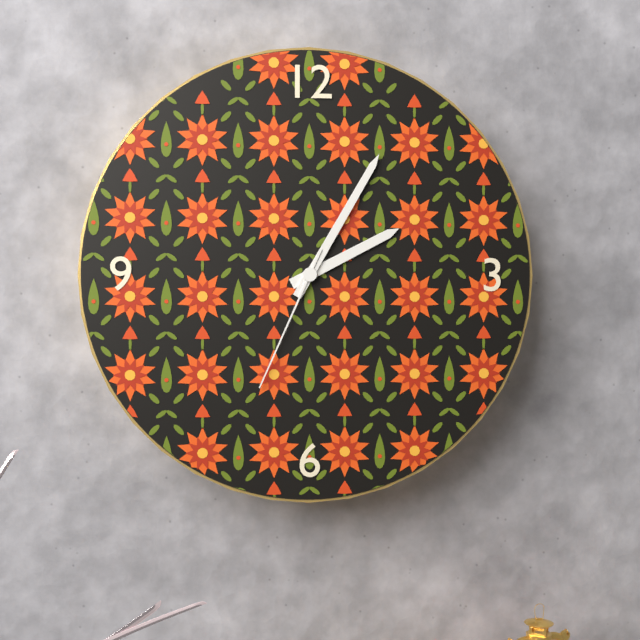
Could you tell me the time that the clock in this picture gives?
2:05:34
